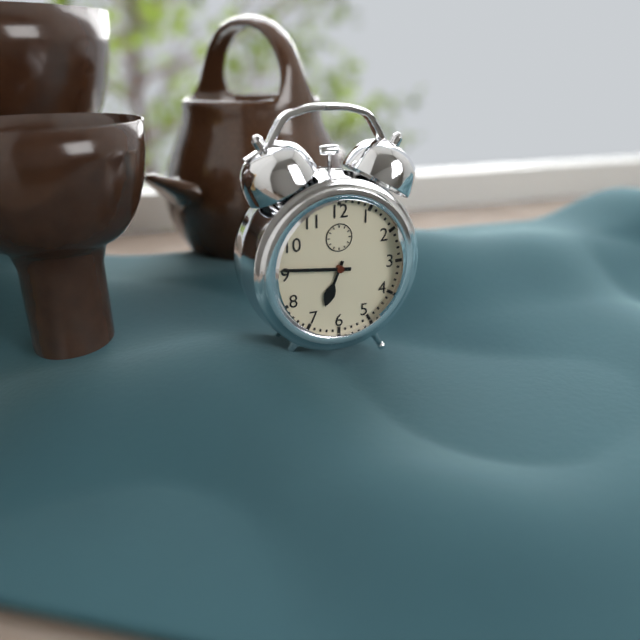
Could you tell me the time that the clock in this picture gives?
6:46
